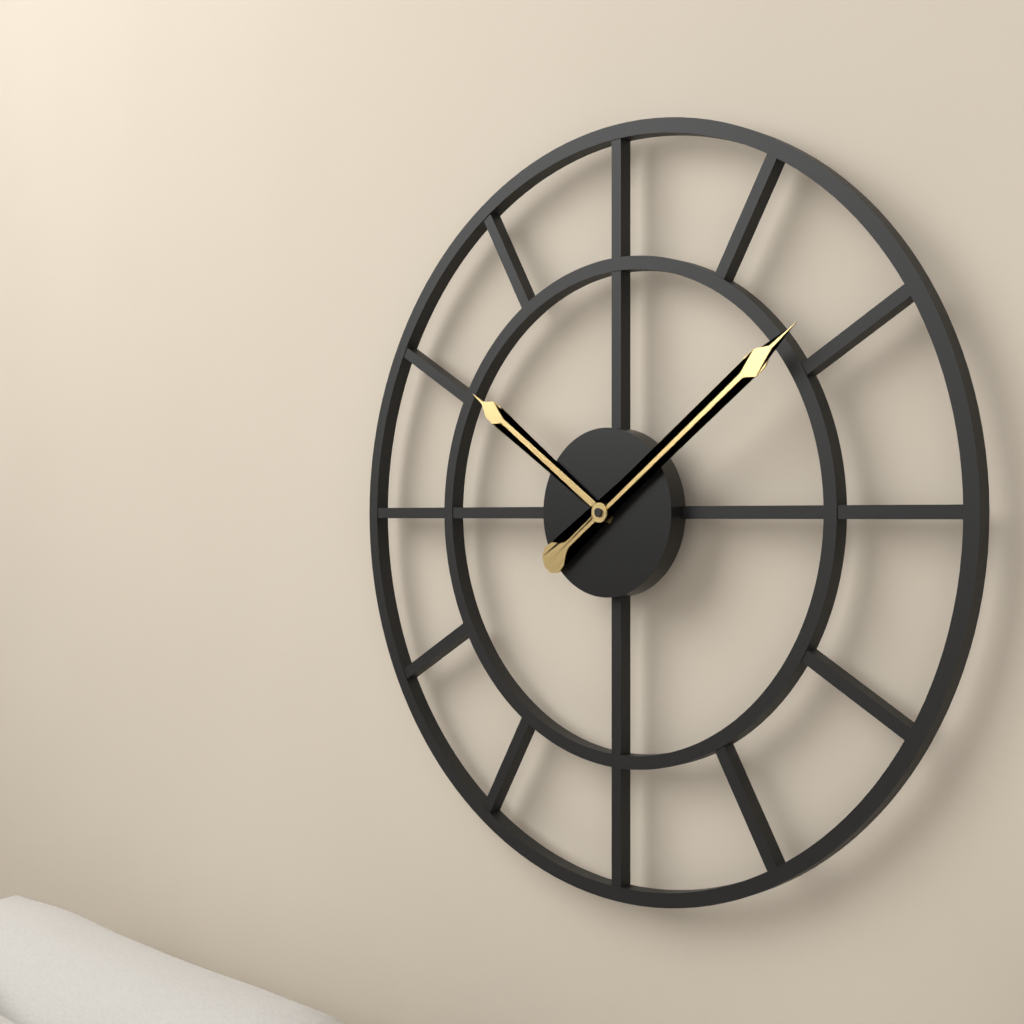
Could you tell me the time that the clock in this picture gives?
10:09
